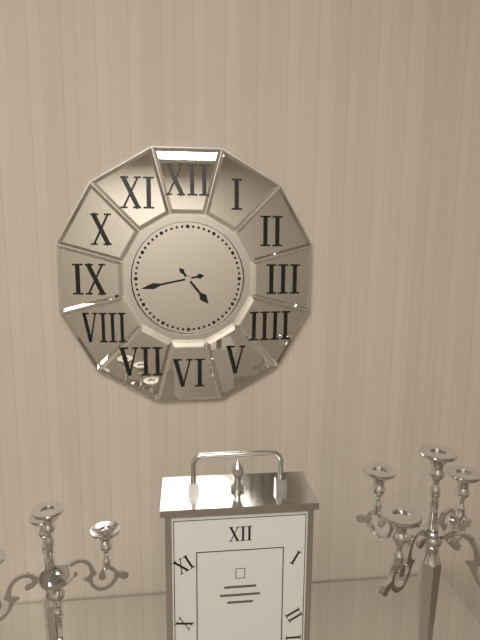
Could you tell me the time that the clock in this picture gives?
4:43
